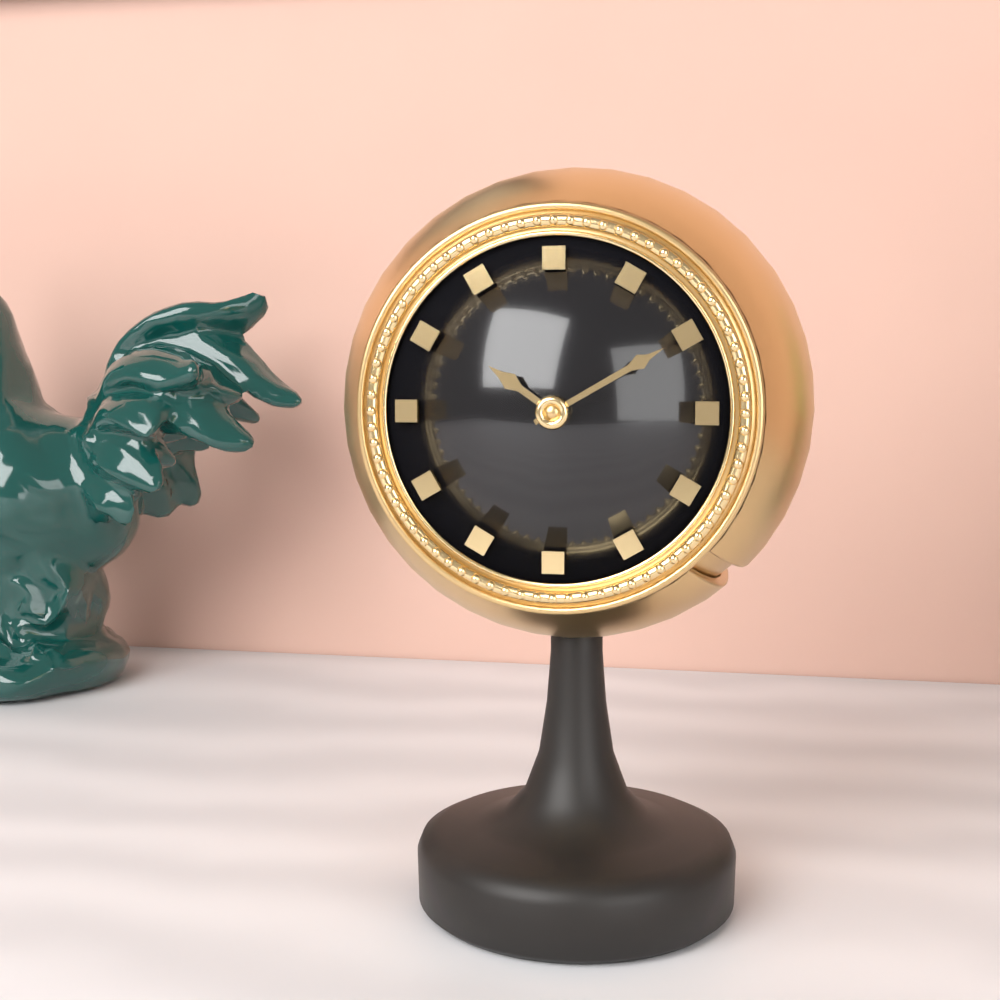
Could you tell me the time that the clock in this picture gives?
10:10
